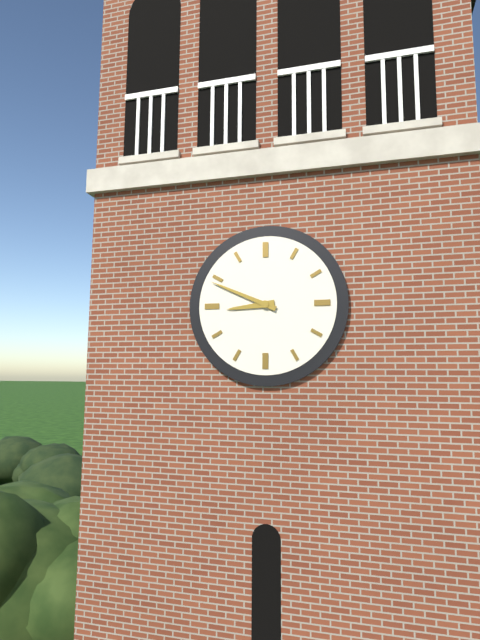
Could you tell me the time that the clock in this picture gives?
8:49
